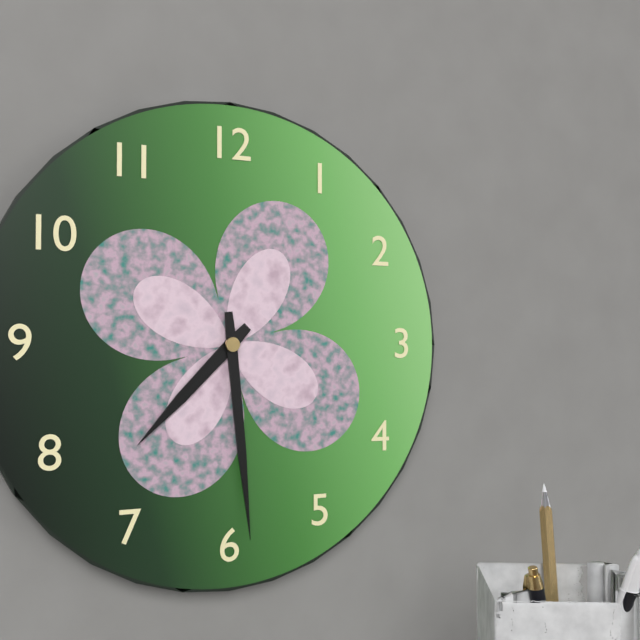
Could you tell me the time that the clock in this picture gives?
7:29
